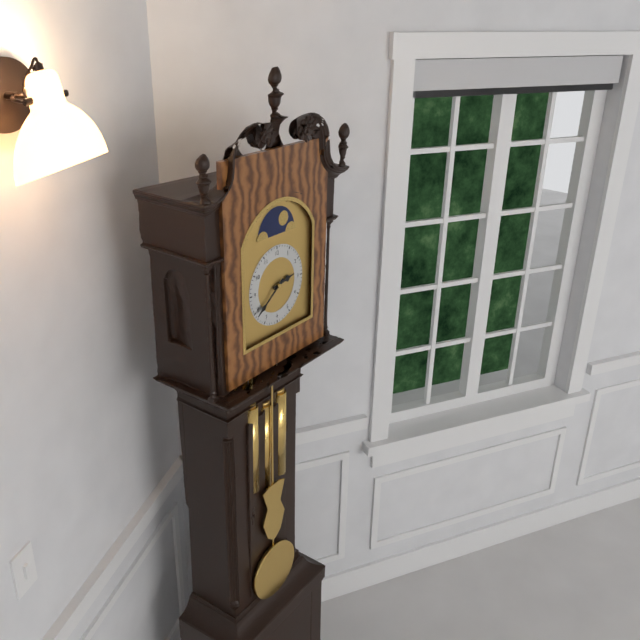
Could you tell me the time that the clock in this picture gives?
2:39
